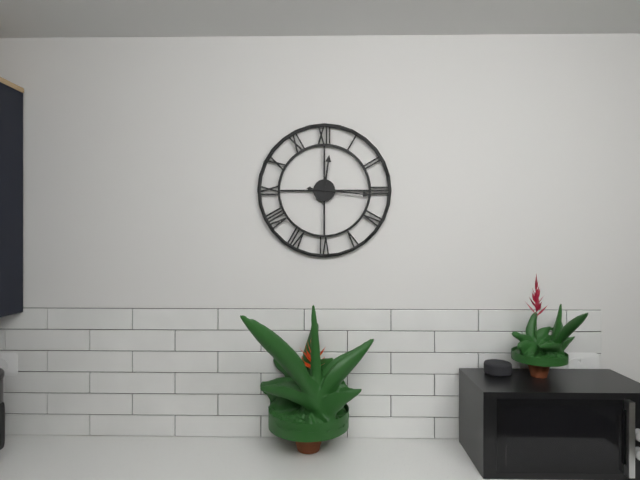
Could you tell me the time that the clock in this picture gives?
12:16
